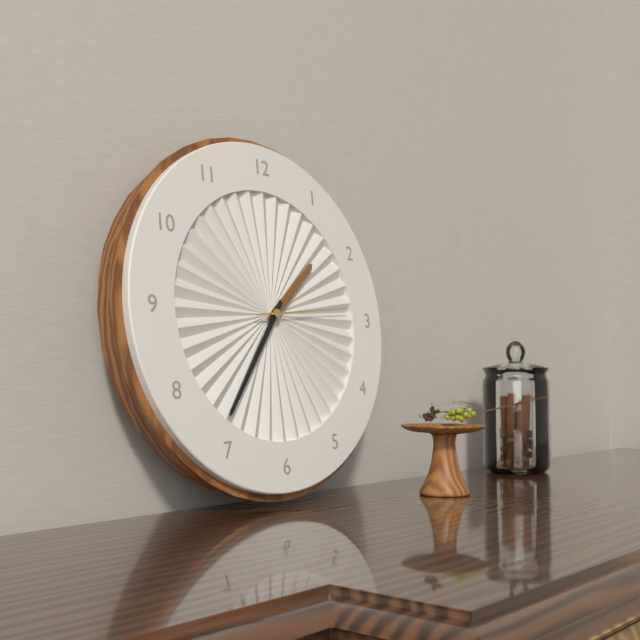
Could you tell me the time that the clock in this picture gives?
1:36:14
